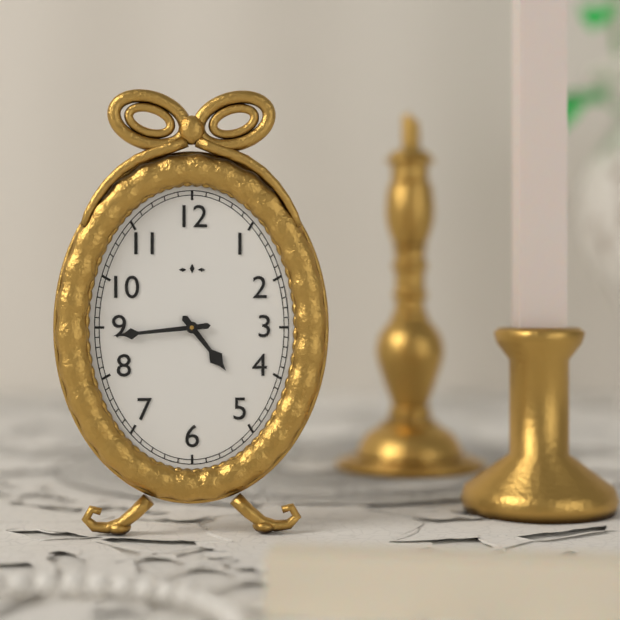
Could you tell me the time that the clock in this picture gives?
4:44
